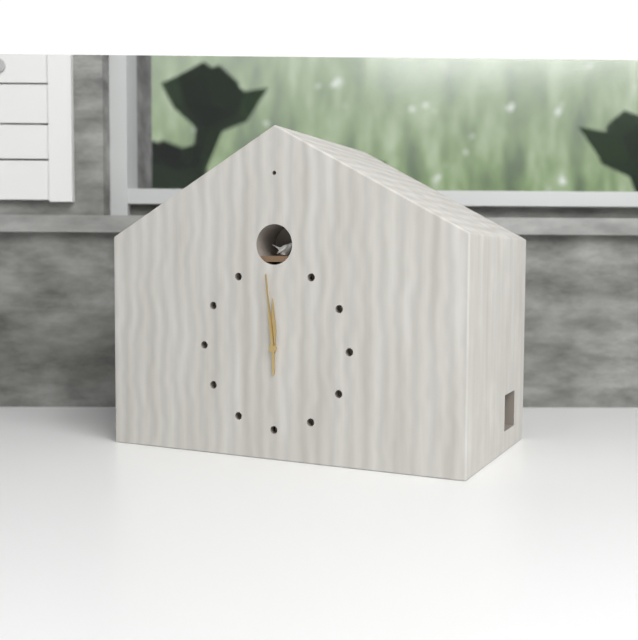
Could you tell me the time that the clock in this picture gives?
11:59
